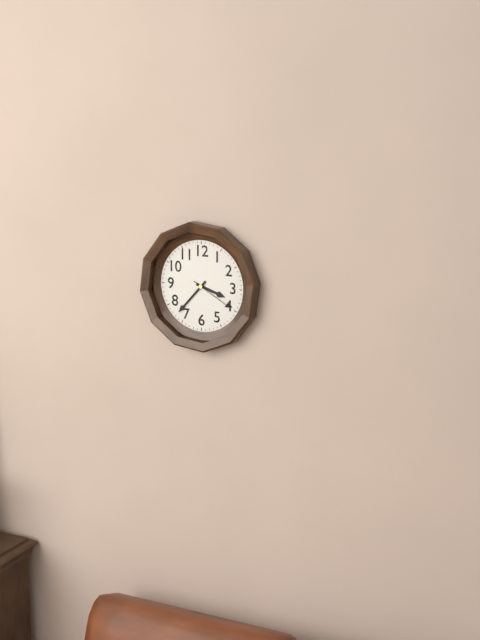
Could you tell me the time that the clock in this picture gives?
3:37
